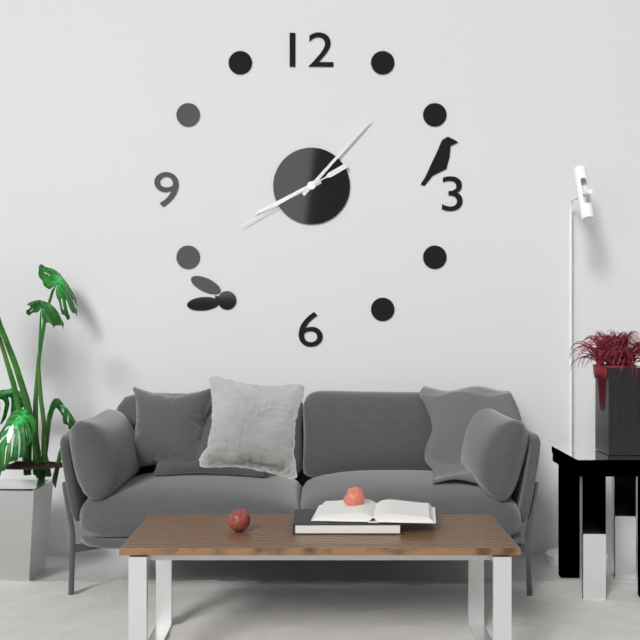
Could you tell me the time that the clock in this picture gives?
8:07:40
